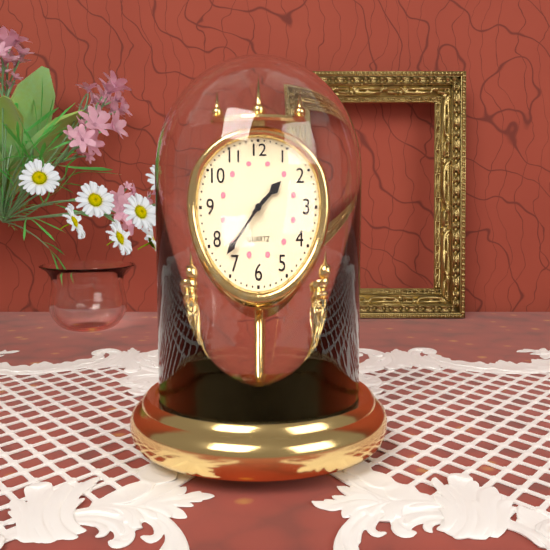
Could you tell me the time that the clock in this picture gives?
1:37
